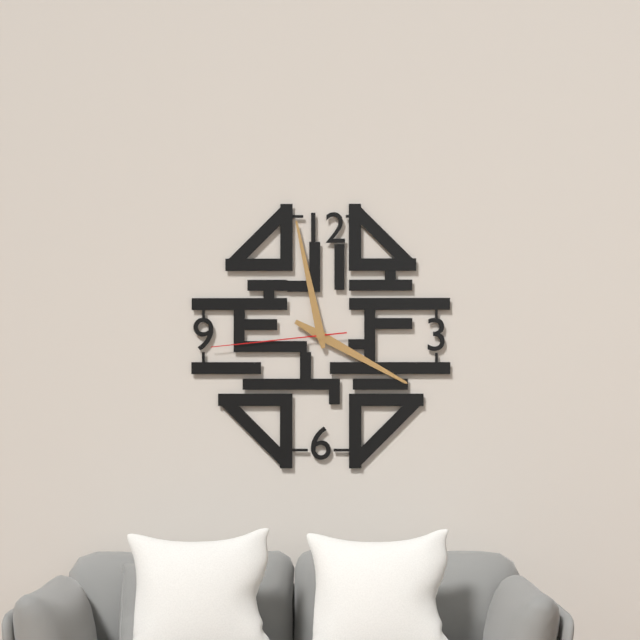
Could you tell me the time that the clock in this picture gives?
3:58:44
